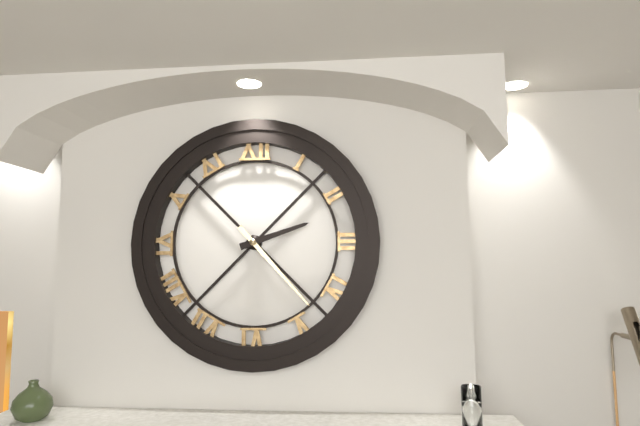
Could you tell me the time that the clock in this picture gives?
2:23
